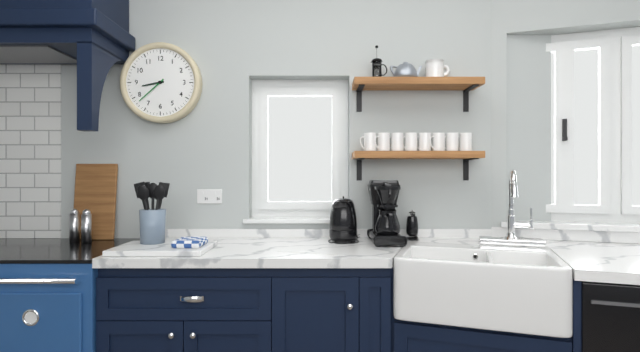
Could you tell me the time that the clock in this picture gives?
8:38
